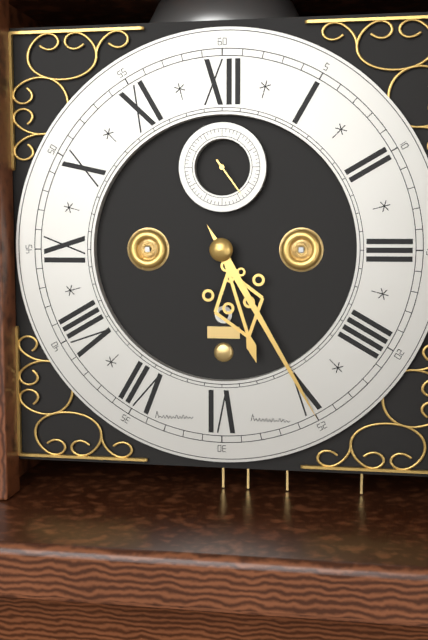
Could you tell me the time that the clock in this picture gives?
5:25
